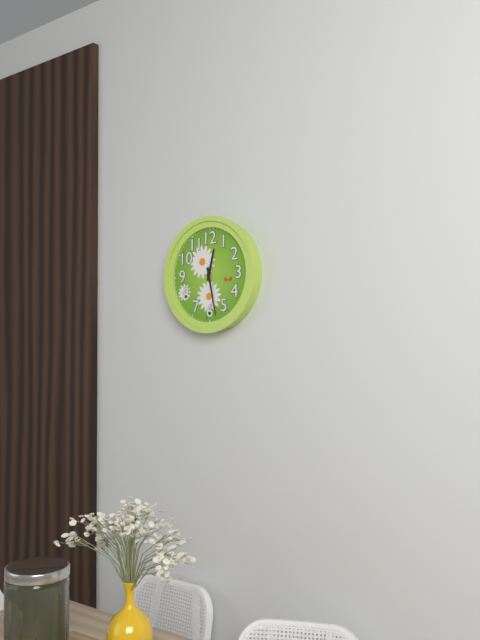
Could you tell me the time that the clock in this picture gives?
12:28
